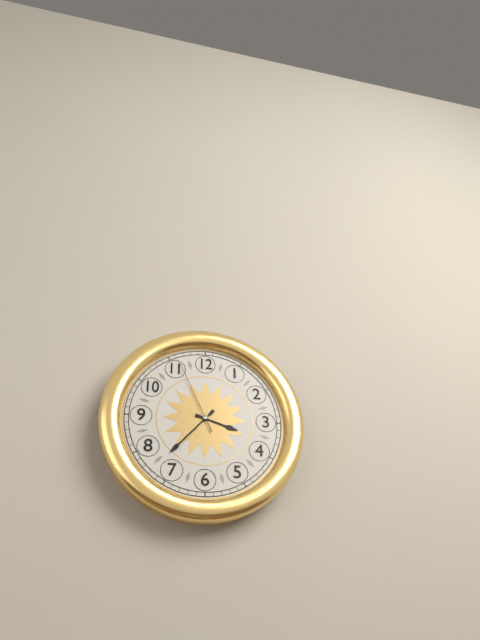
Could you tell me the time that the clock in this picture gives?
3:37:56
